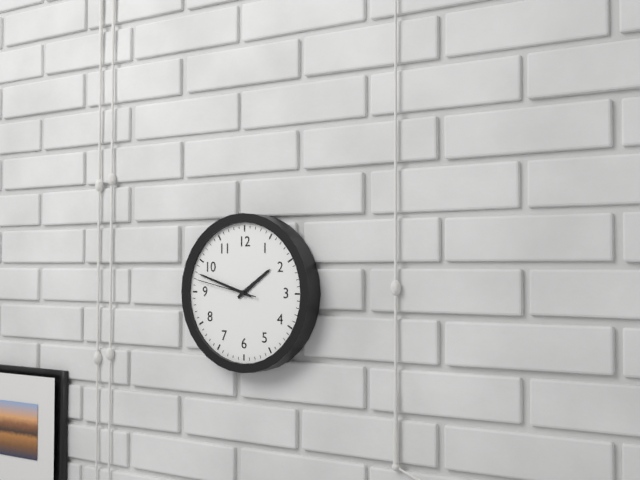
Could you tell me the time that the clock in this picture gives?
1:48:47
